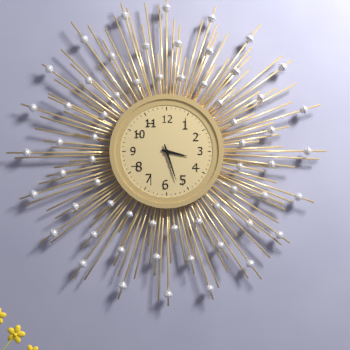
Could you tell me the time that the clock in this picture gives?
3:27
